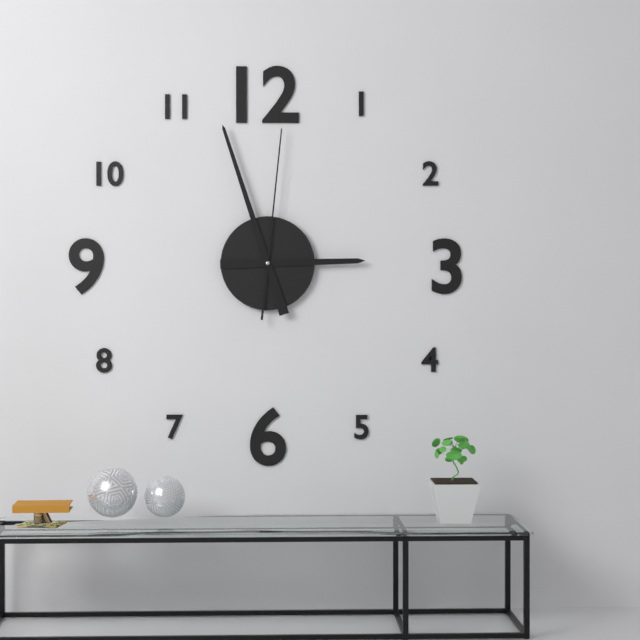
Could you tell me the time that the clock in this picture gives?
2:57:01
